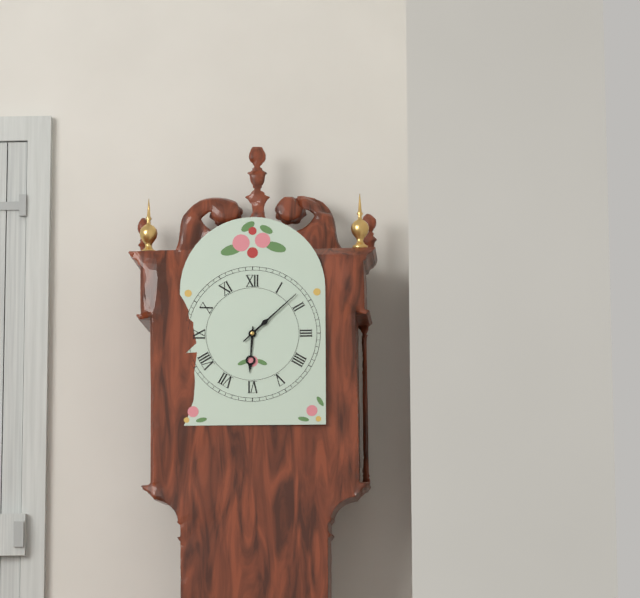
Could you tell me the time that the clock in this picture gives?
6:08
